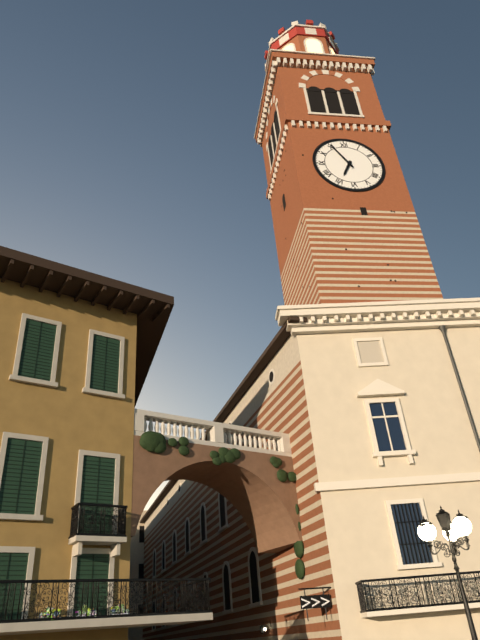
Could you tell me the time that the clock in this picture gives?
6:55
